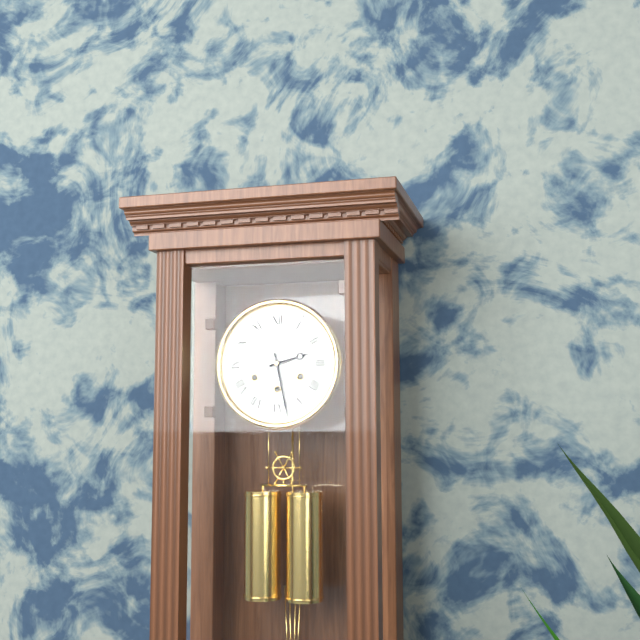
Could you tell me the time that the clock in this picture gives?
2:28
